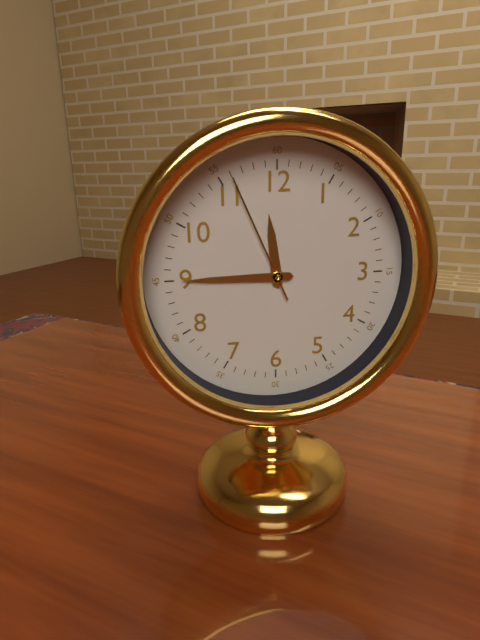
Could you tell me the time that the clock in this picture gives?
11:45:56
